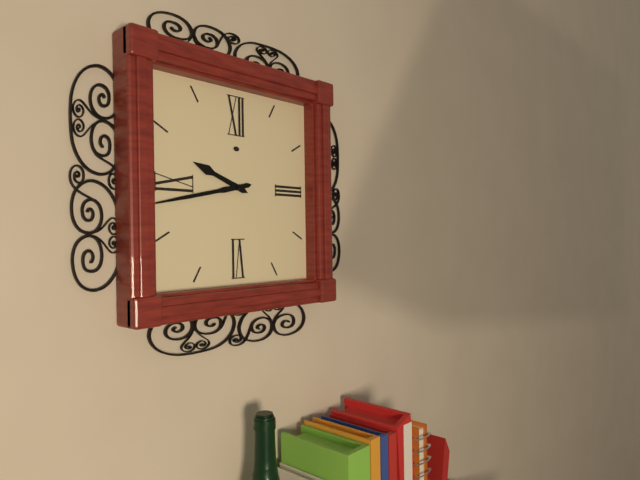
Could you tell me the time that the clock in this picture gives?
9:43
